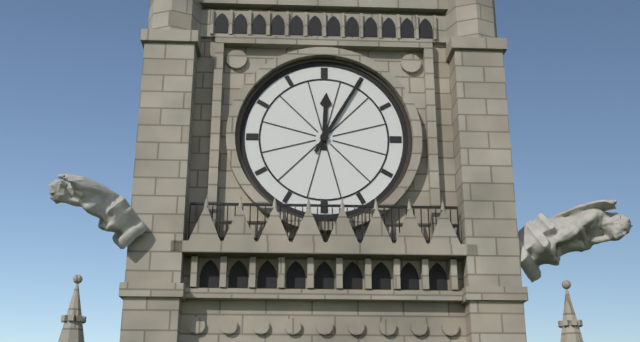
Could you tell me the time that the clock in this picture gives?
12:05
